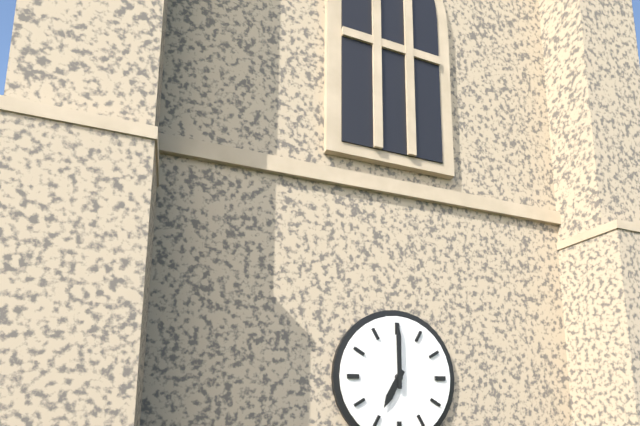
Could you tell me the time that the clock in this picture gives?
7:00
